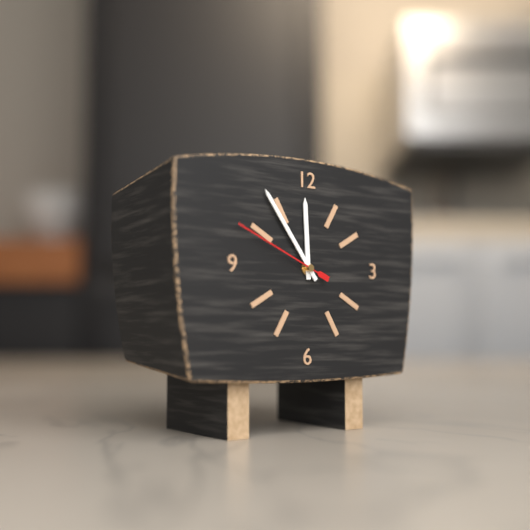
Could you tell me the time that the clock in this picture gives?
11:54:49
